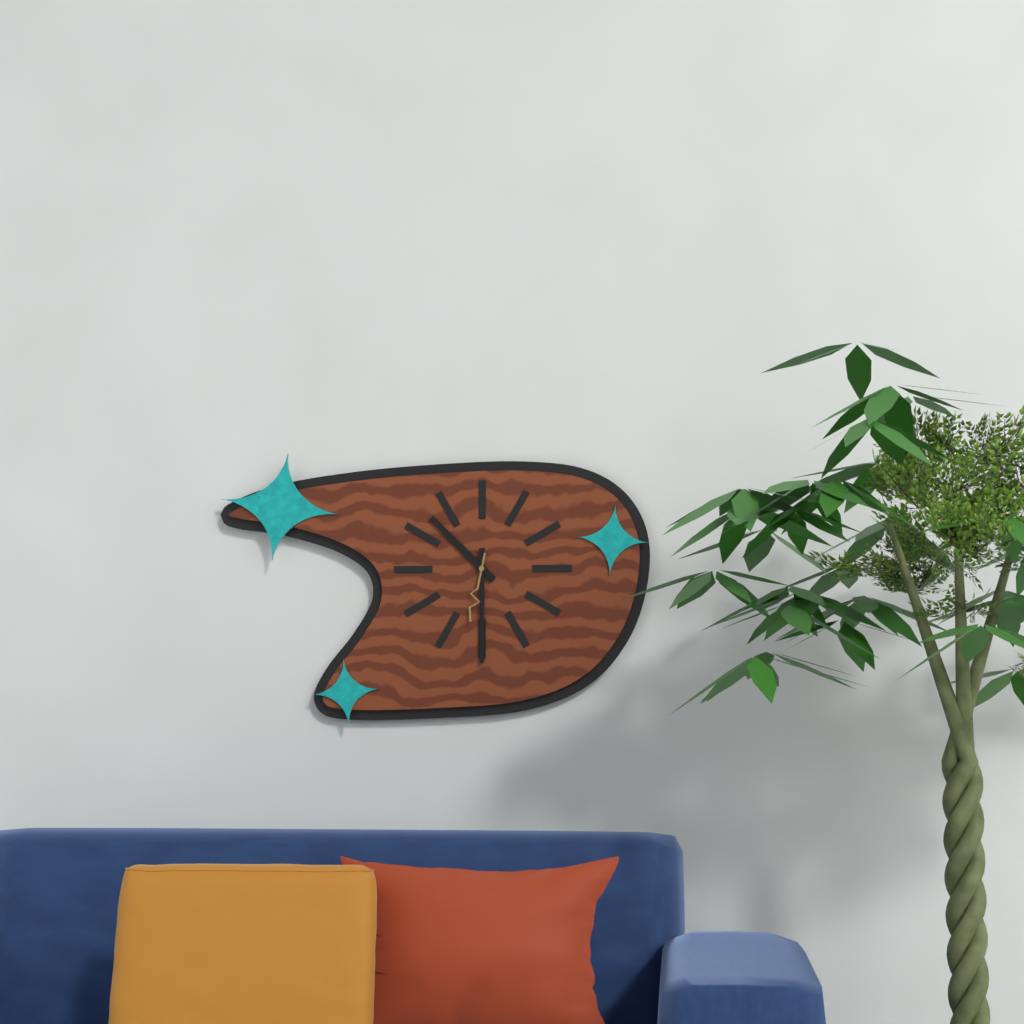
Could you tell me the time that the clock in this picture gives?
10:30:32
